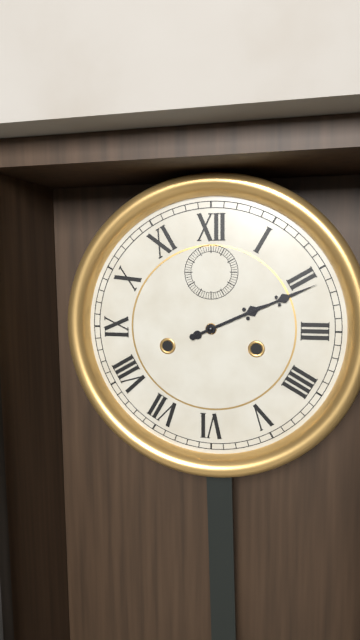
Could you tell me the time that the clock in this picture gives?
2:11
